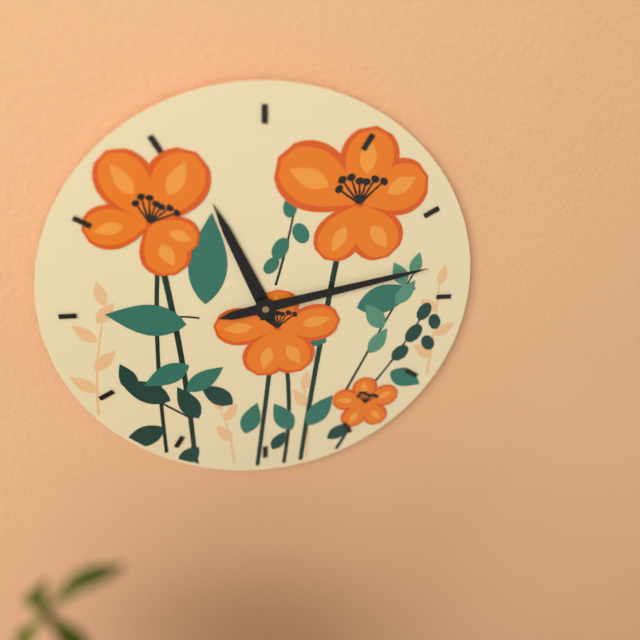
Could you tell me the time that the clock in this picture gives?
11:13
